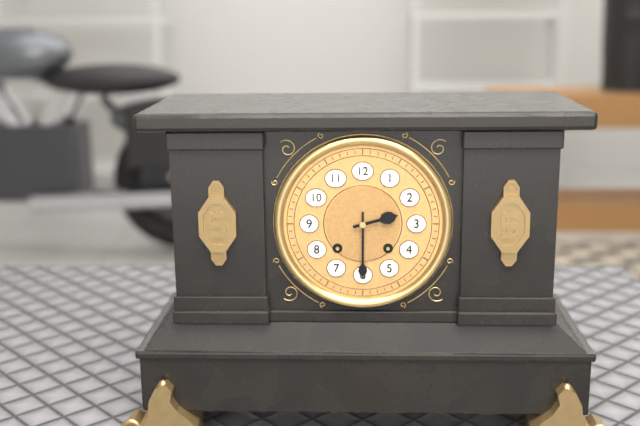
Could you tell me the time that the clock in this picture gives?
2:30
